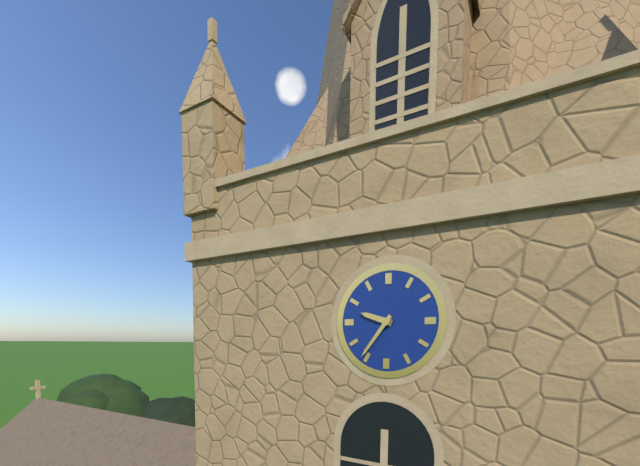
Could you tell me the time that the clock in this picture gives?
9:36
